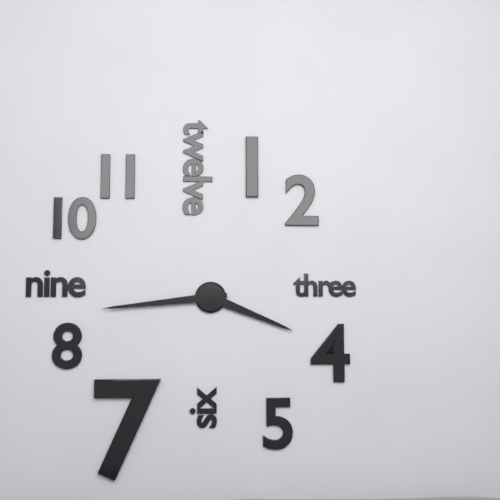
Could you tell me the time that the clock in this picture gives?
3:44
